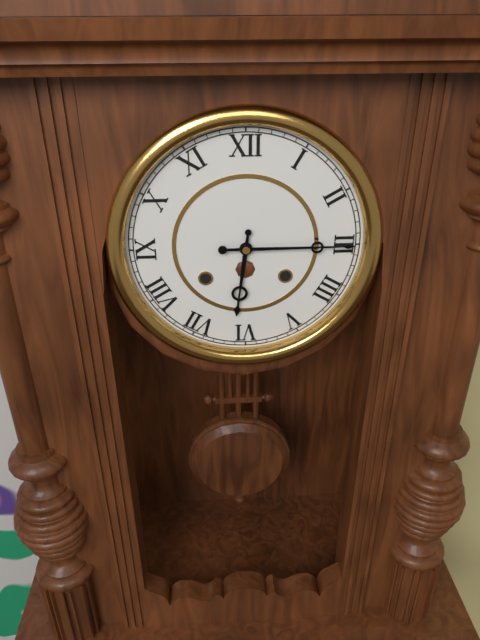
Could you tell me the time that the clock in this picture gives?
6:15
